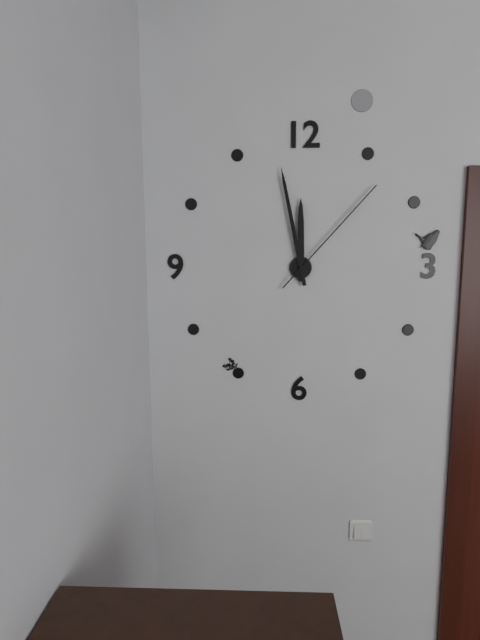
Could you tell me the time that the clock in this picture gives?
11:58:07
